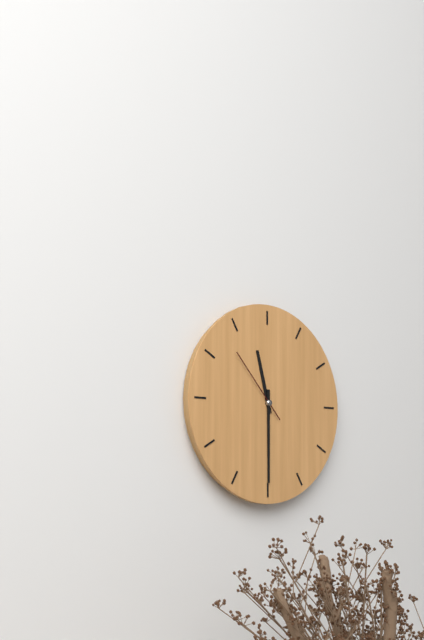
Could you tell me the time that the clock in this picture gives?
11:30:53
